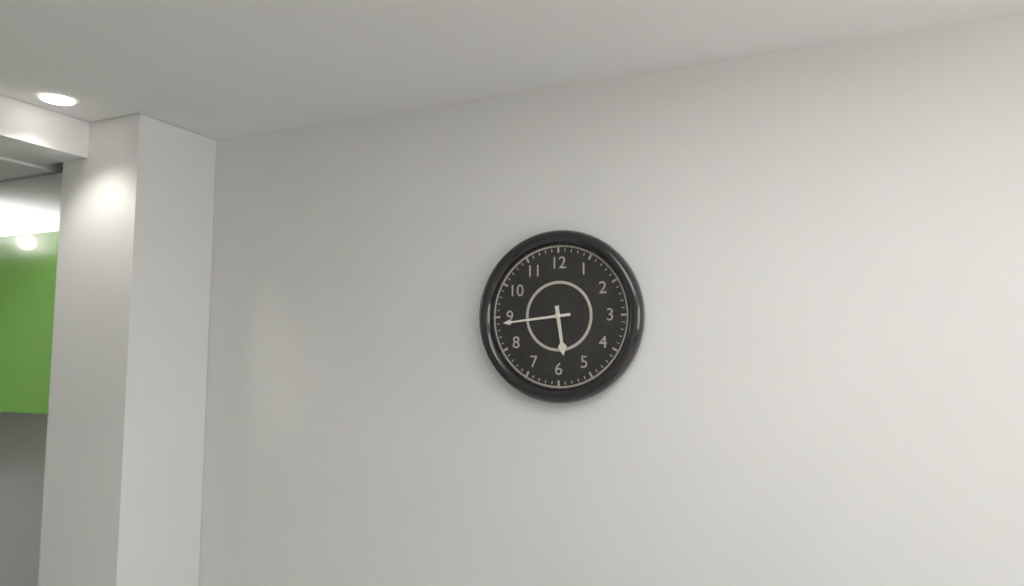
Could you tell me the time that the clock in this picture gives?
5:44
